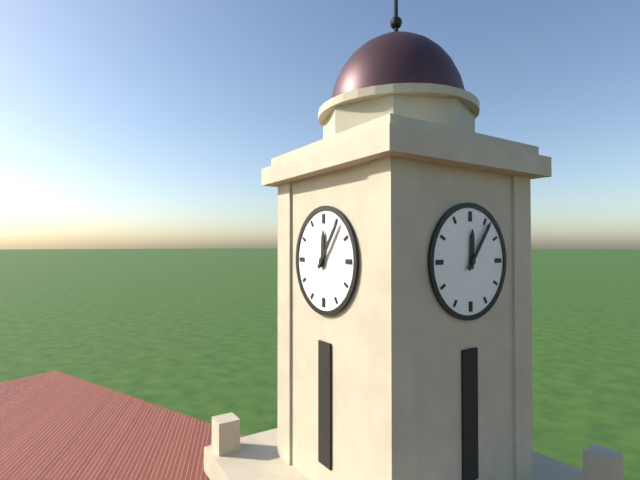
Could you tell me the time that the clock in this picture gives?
12:06
